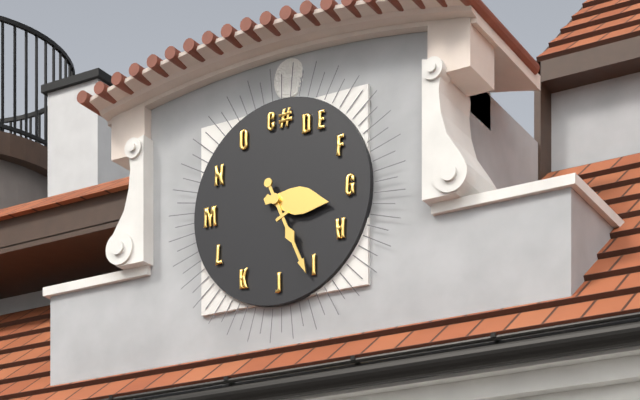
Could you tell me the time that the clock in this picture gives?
3:26
